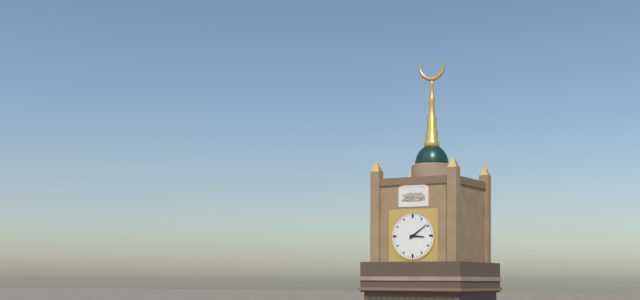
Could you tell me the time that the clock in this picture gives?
3:09
